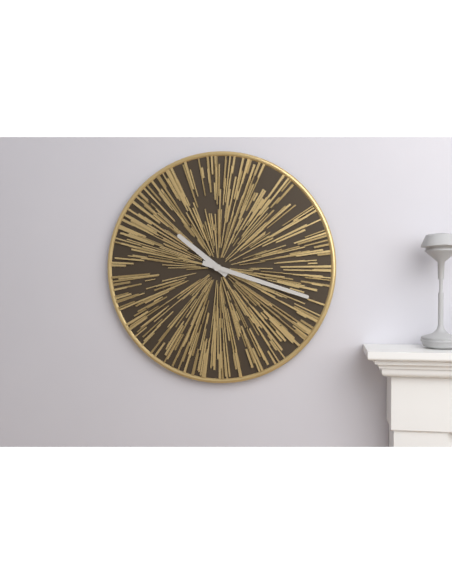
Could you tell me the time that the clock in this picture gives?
10:18
